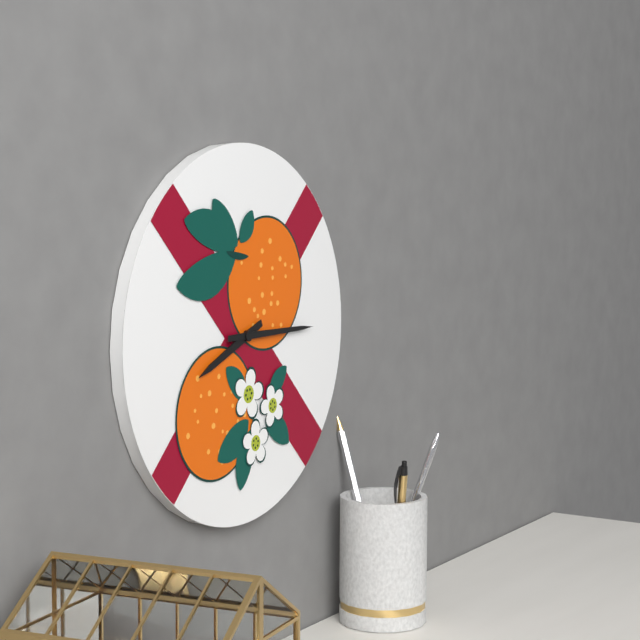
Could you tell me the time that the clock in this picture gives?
8:15
